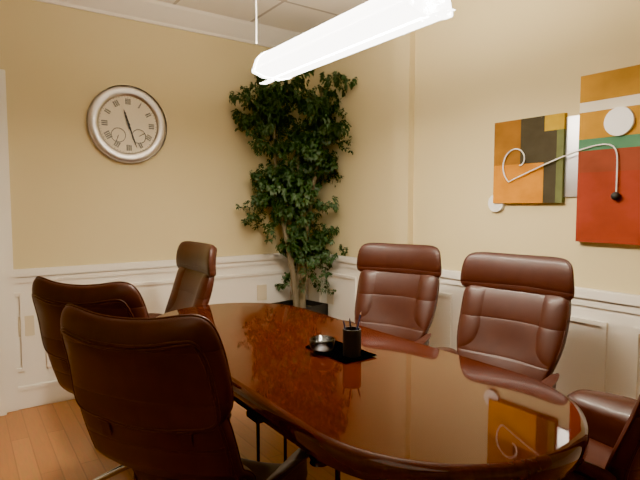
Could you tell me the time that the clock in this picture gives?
11:27
